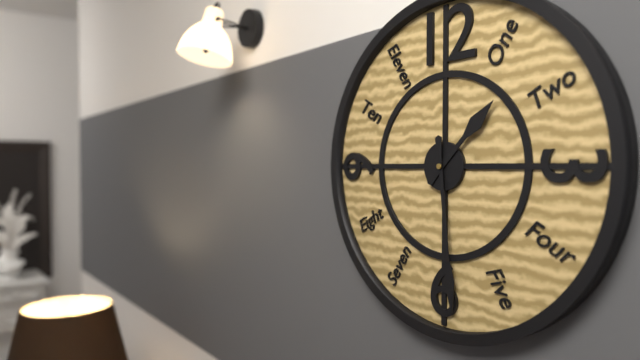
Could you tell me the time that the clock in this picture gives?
1:29
